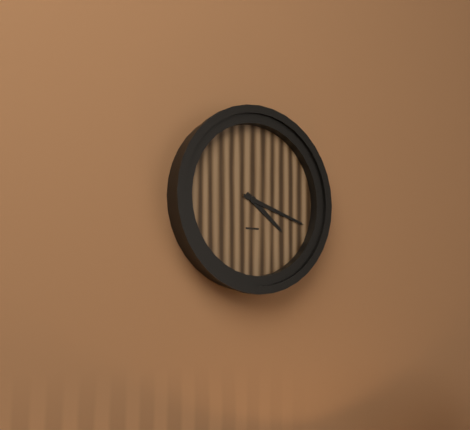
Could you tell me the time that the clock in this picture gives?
4:18
